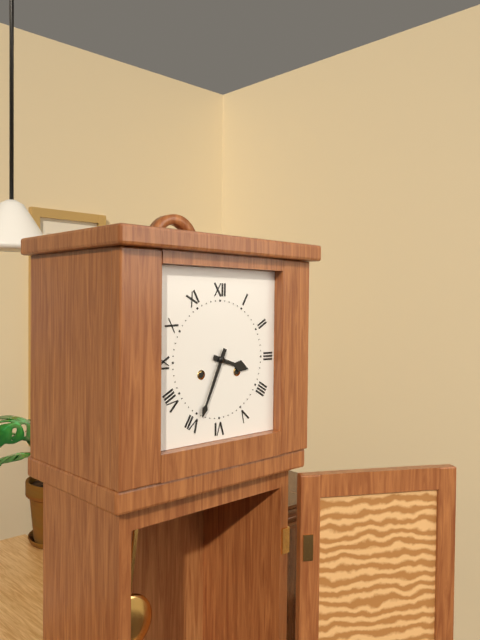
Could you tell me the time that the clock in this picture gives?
3:34
